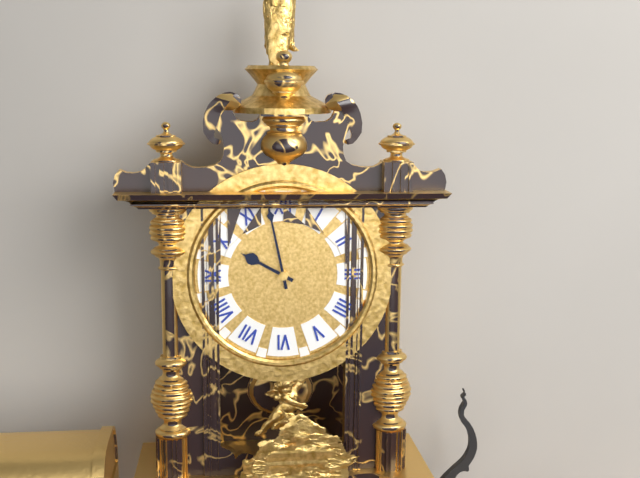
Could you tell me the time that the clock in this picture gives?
9:58
